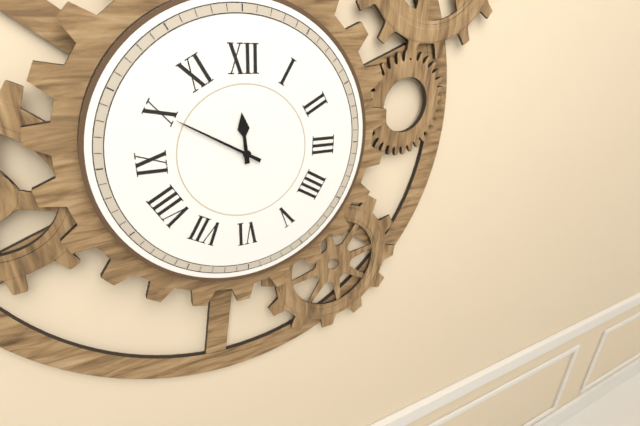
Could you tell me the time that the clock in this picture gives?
11:50
